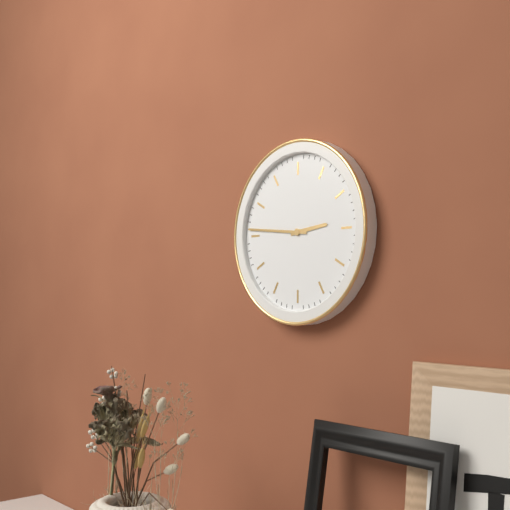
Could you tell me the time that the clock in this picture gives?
2:46
